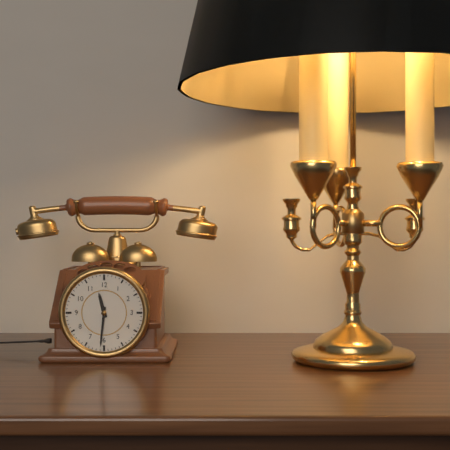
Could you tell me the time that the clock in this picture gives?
11:31
